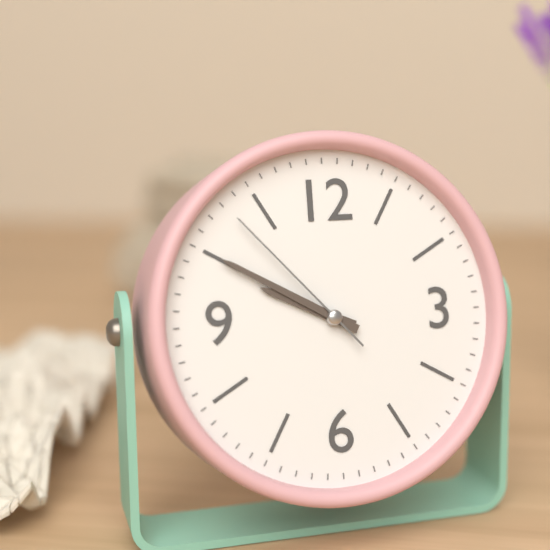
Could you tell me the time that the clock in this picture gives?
9:50:53
